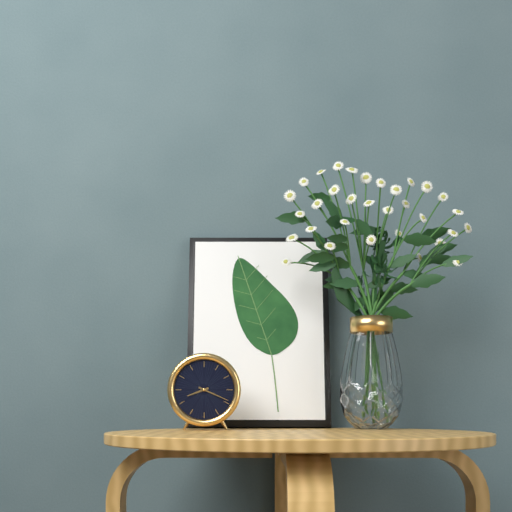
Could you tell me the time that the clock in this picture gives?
8:19
